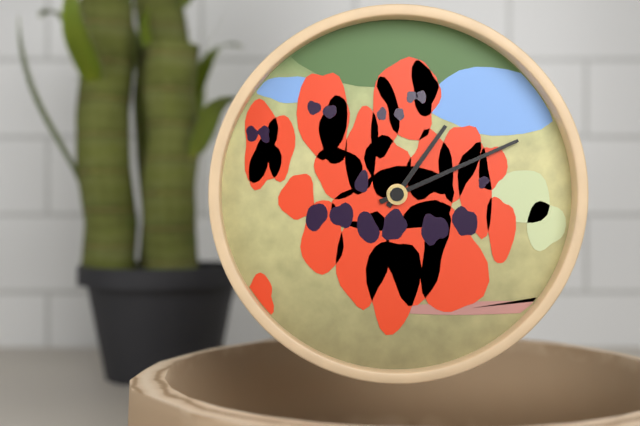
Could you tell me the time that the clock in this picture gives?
1:11
